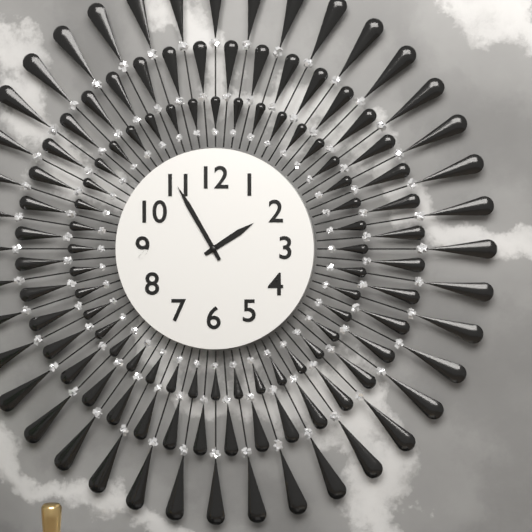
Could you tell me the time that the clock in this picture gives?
1:55
